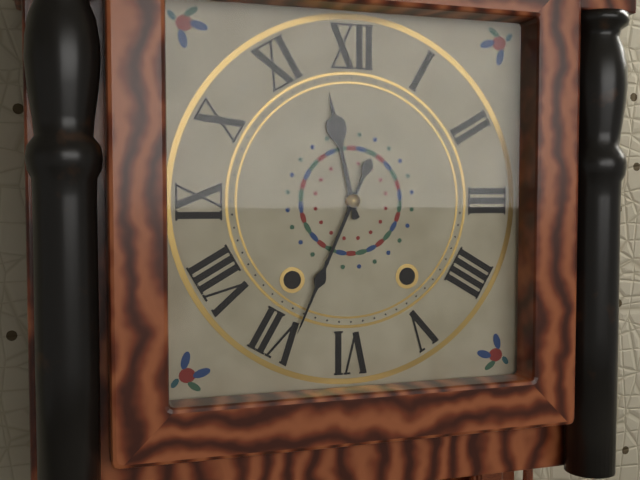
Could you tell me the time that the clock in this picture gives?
11:34
